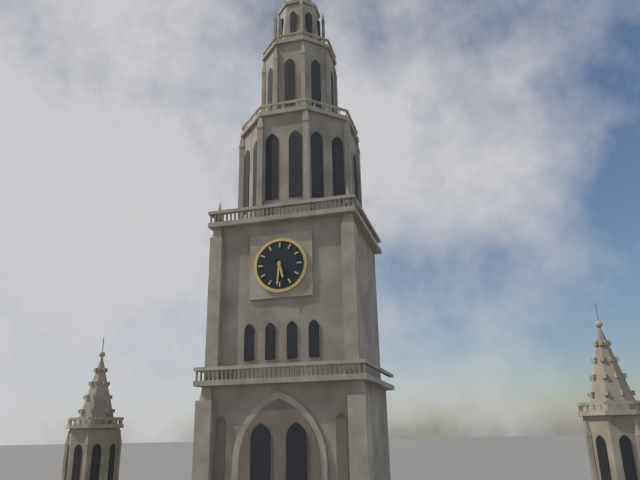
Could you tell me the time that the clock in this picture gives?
5:31
